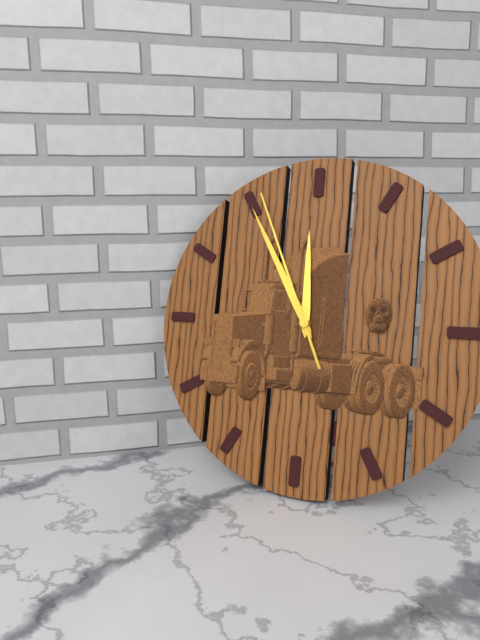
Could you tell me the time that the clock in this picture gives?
11:55:56
